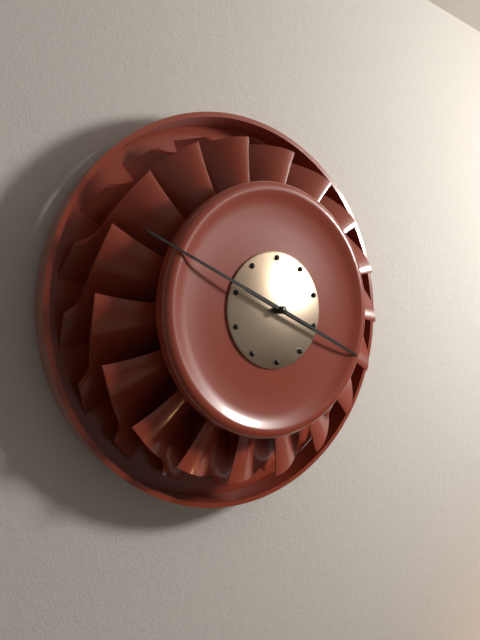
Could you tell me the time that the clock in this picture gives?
3:49
